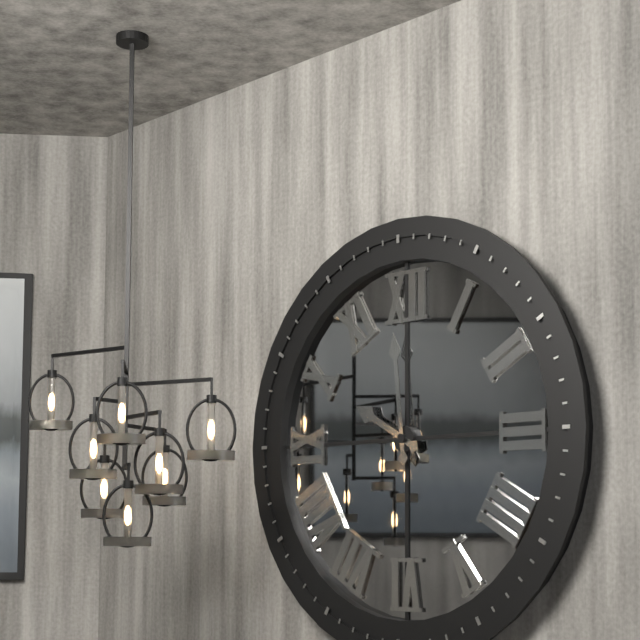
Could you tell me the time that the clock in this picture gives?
9:59
